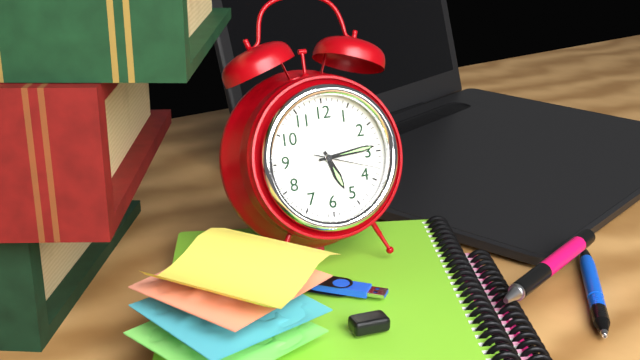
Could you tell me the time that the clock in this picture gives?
5:14:18
